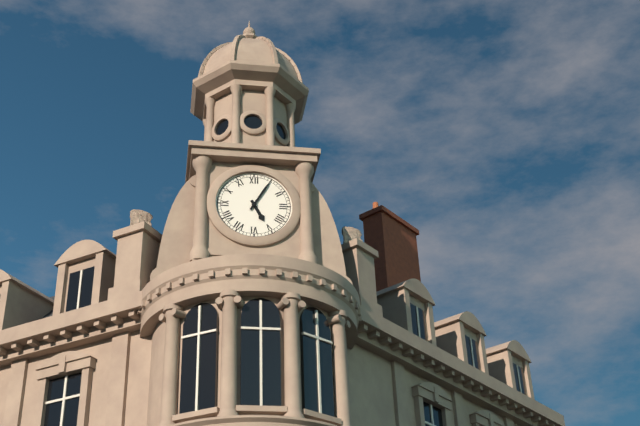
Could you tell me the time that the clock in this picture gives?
5:05
